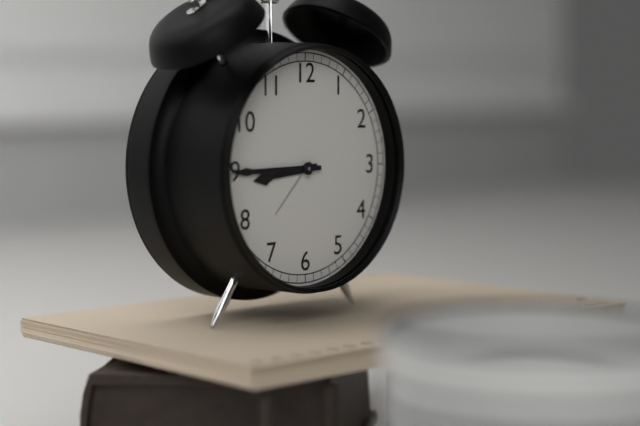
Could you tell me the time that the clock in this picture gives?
8:45
